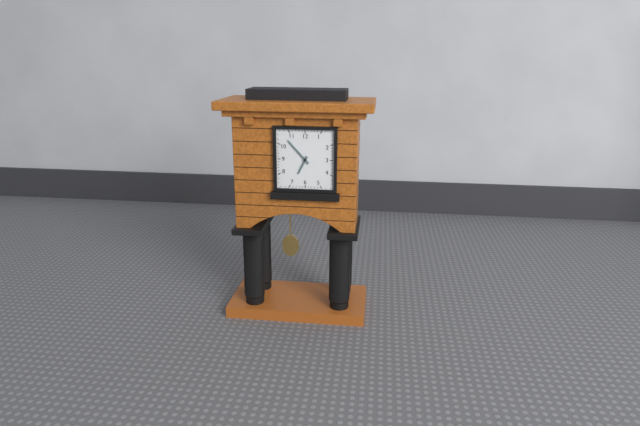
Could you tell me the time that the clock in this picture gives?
6:53
